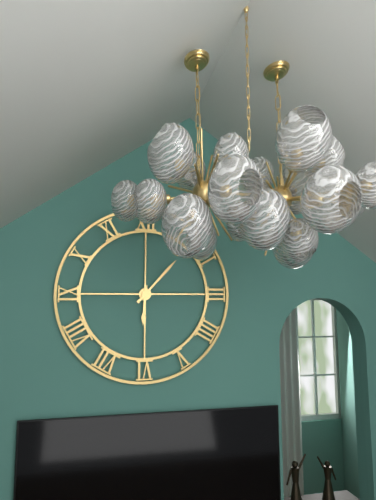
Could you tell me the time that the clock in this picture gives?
6:07
